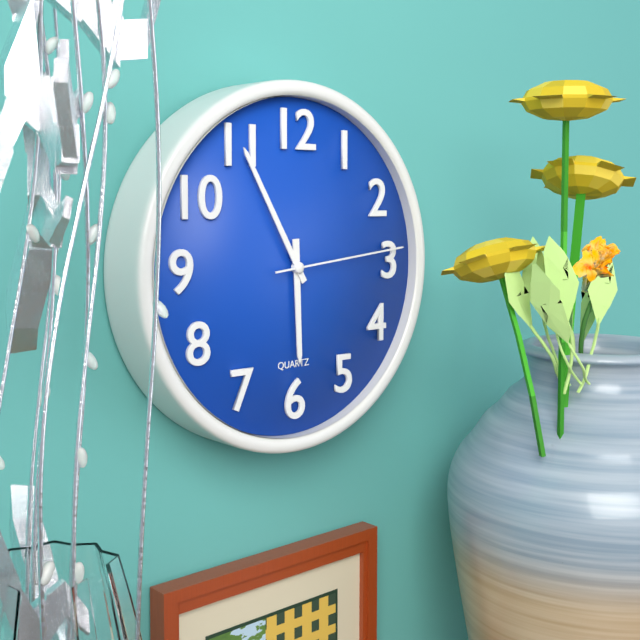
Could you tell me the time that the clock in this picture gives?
5:55:14
